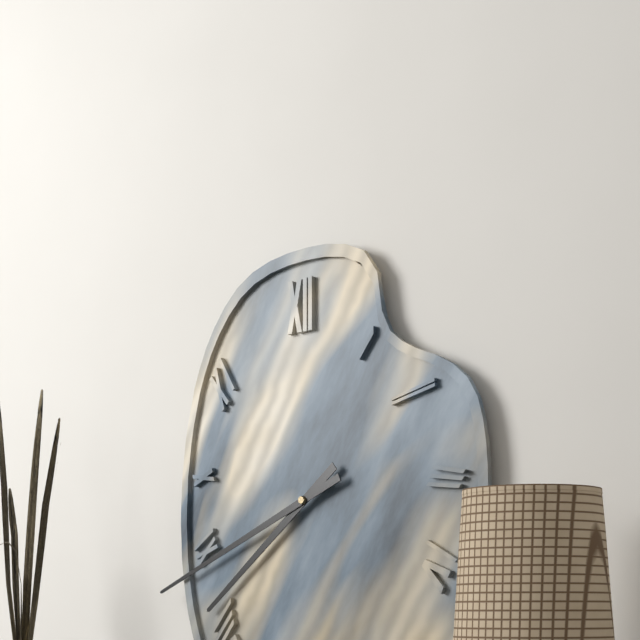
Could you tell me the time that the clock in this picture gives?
7:41
